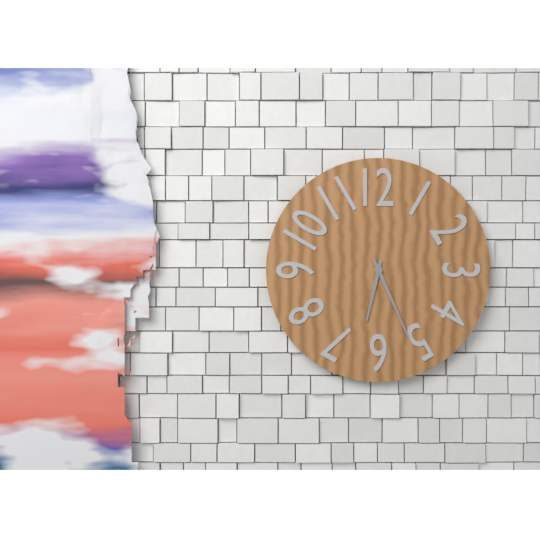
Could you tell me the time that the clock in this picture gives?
6:26
